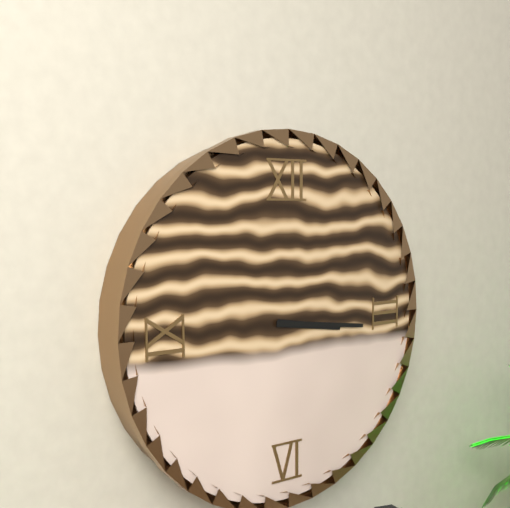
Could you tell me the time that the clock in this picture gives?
3:16
